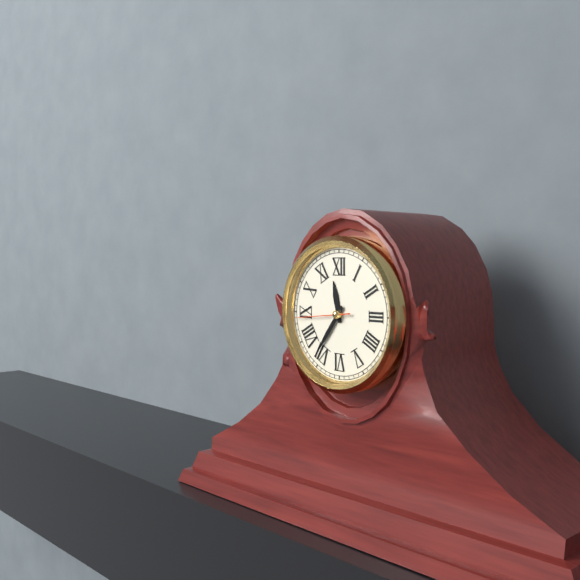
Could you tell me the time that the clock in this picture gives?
11:36:44
